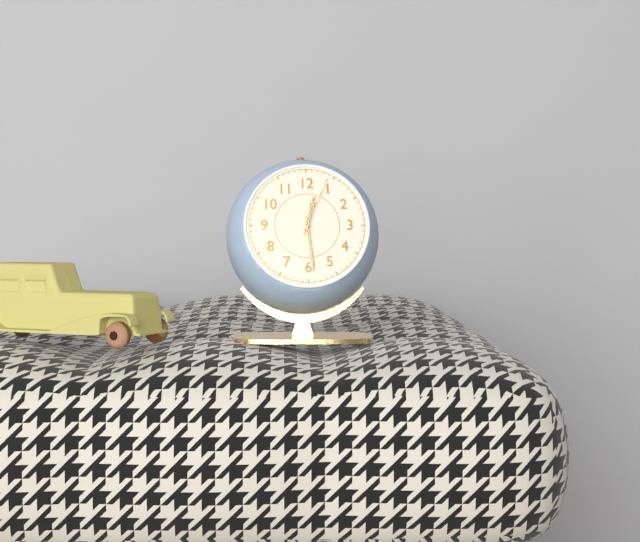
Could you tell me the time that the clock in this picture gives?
12:29:04
